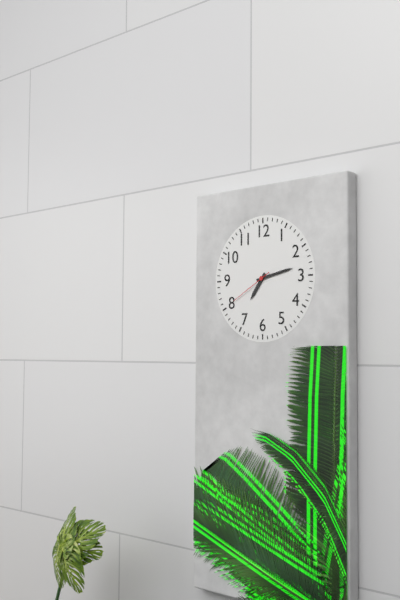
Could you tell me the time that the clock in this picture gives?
7:13
